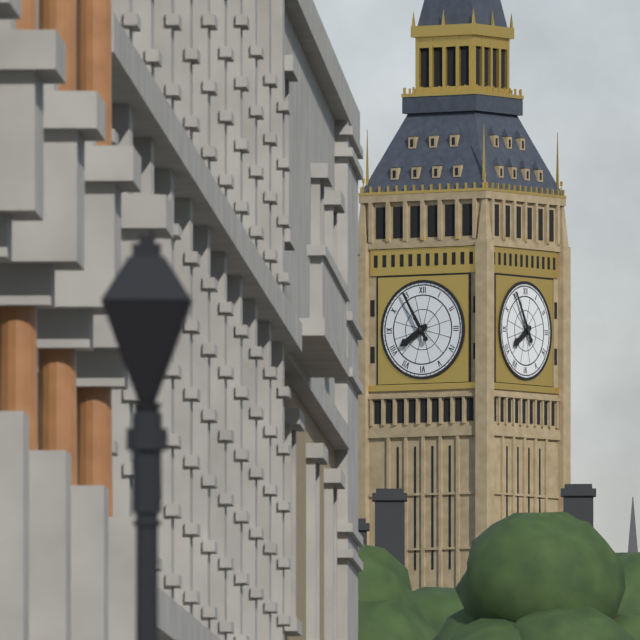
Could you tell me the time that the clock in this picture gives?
7:55
